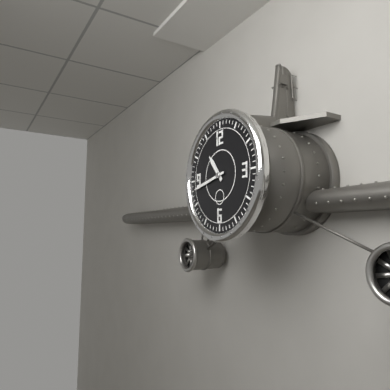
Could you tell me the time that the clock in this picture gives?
10:43
